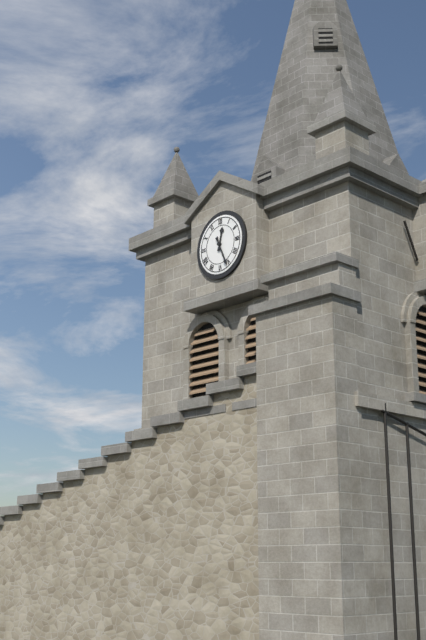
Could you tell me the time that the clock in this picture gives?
12:26
